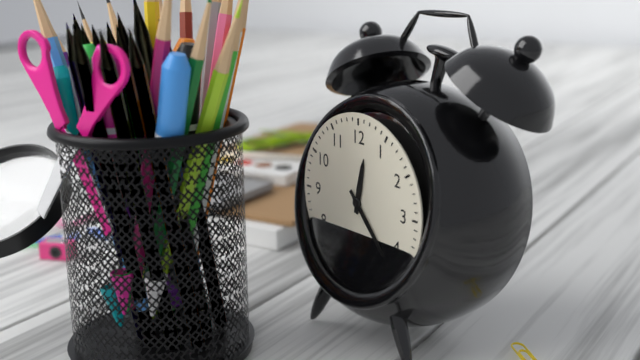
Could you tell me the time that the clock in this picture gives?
12:23
